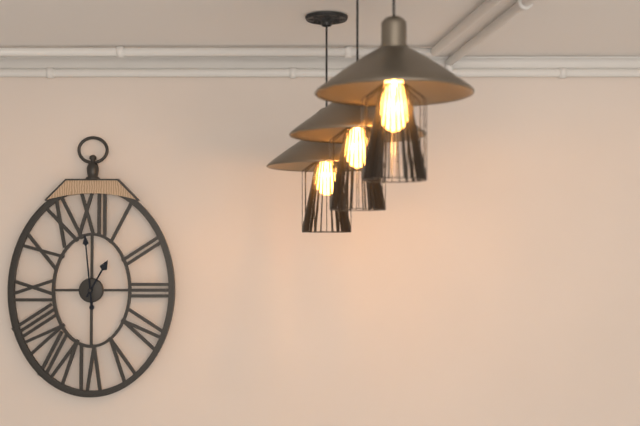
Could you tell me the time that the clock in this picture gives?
12:59
